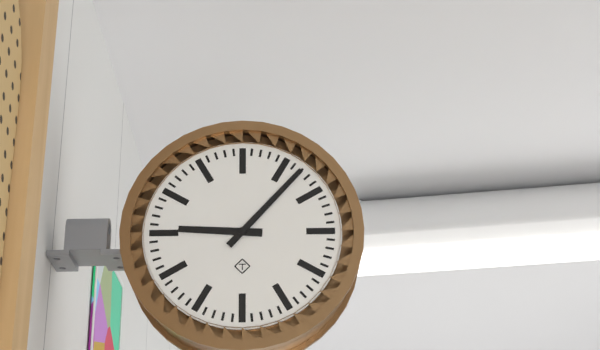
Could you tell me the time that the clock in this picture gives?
9:07
